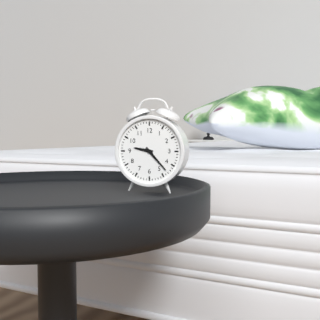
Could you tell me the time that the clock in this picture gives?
9:23
